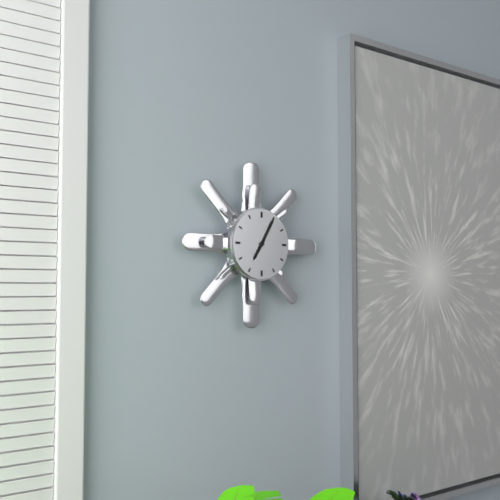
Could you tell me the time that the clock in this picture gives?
7:05
